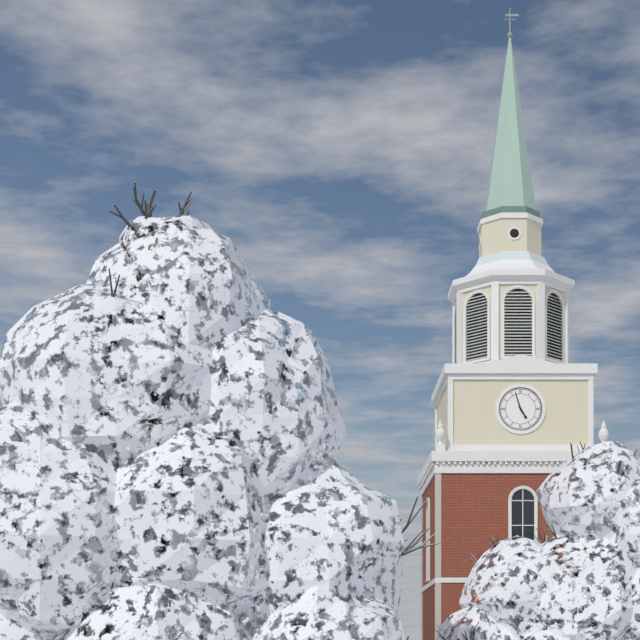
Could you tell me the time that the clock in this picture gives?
4:57
